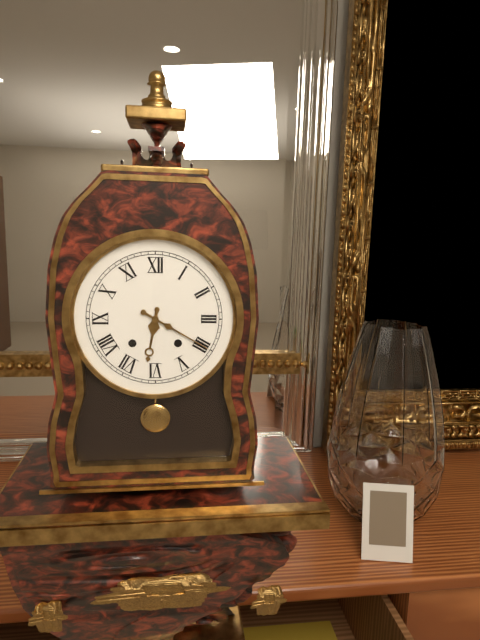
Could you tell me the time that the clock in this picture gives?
6:20
